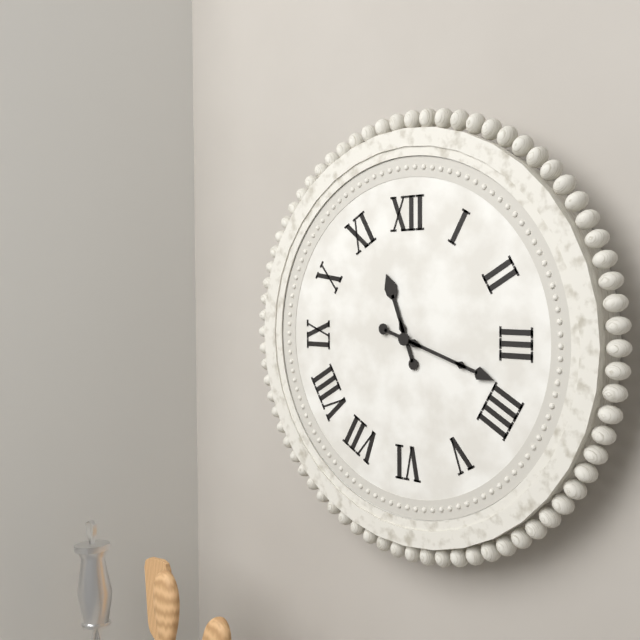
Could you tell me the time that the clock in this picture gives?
11:18
